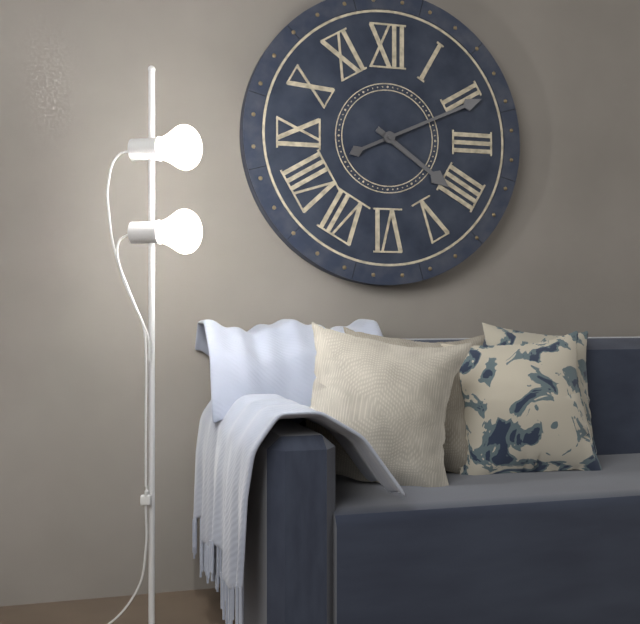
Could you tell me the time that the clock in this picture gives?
4:11
